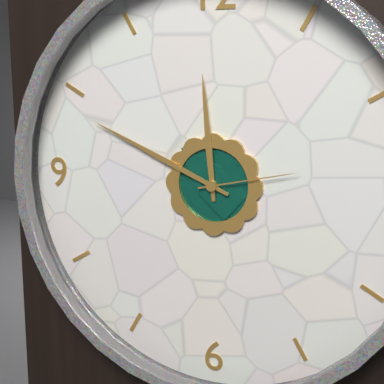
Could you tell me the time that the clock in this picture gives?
11:49:13
